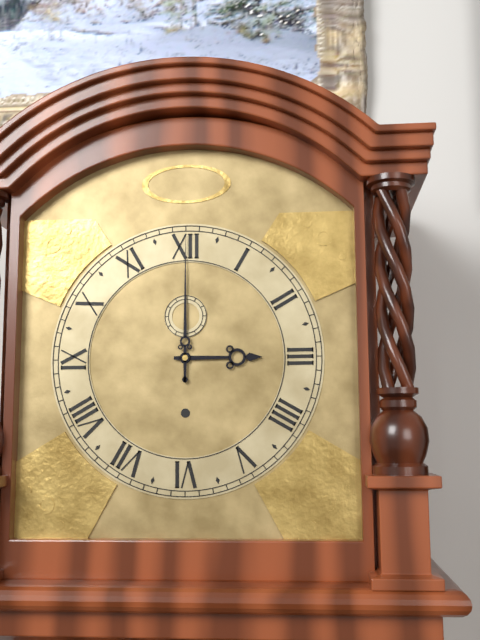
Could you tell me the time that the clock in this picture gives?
3:00
